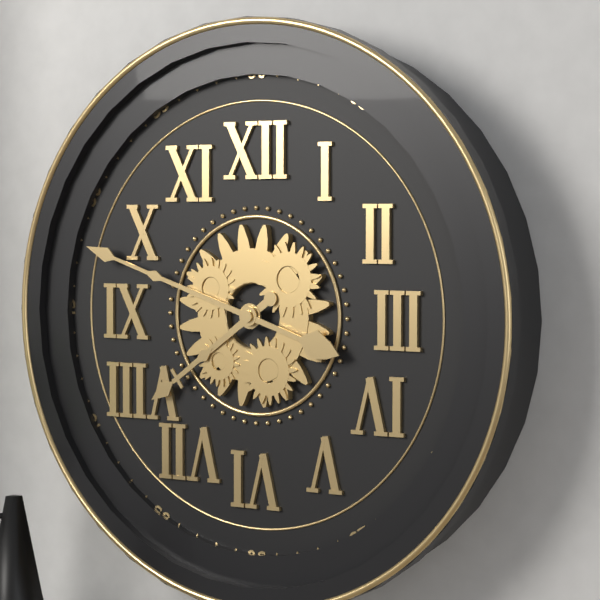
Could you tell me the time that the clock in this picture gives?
7:48
